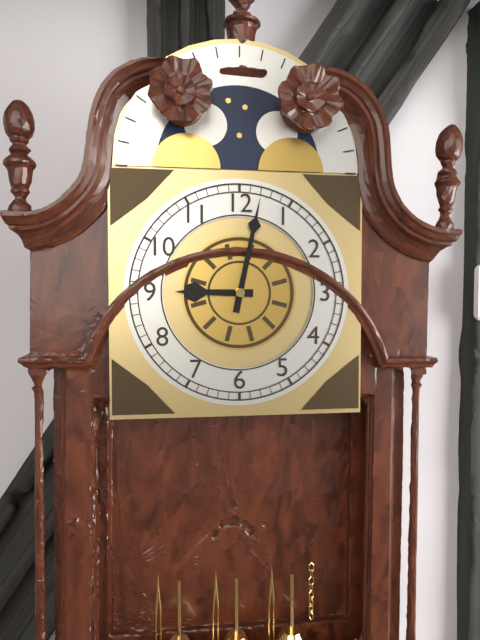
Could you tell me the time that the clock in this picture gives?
9:02
